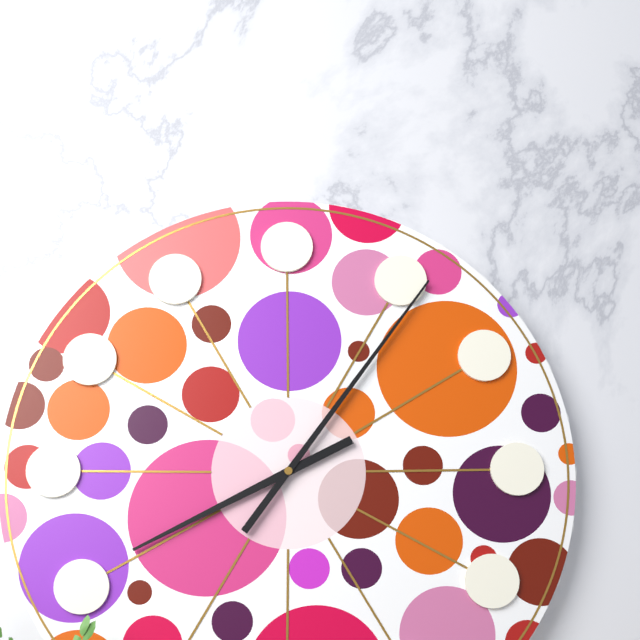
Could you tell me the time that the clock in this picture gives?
8:06
